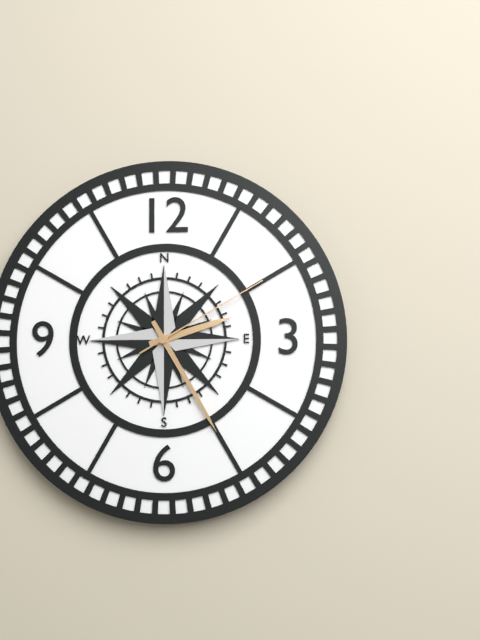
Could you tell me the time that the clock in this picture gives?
2:25:10
